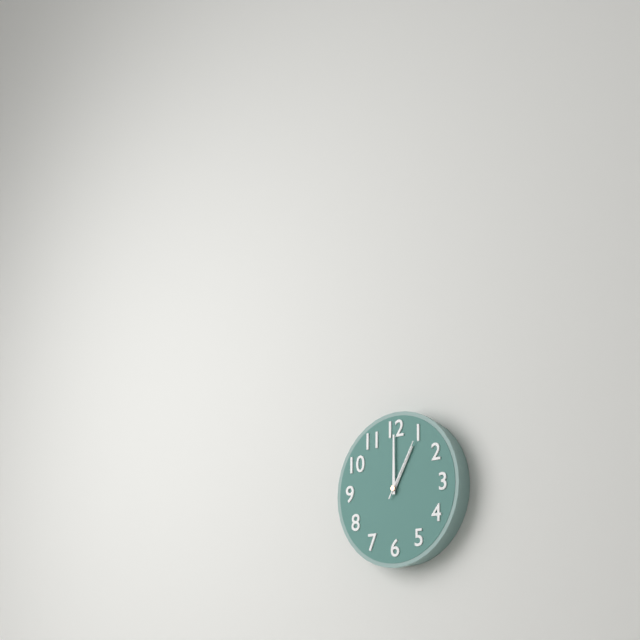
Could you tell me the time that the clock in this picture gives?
1:00:05
